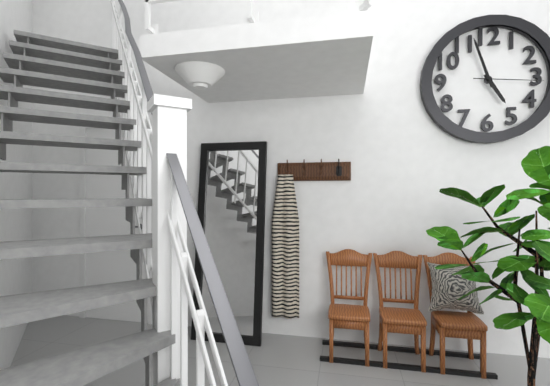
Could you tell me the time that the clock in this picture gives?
4:57:16
